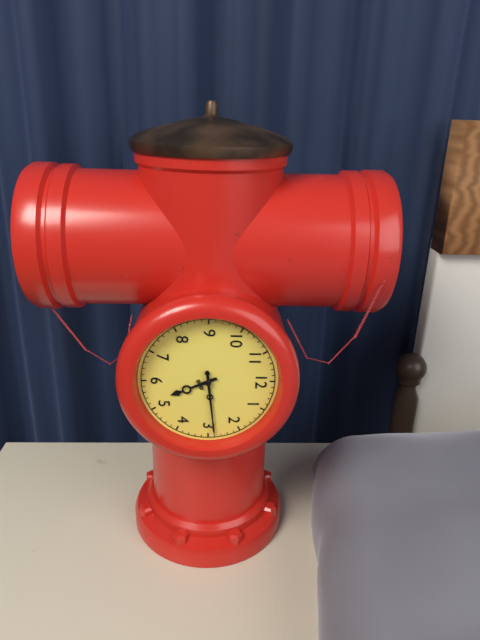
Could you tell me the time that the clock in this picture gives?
5:14
